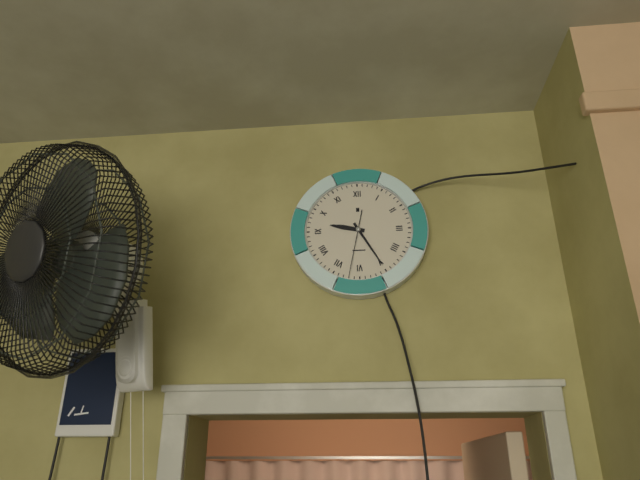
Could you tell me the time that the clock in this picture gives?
9:25:32
